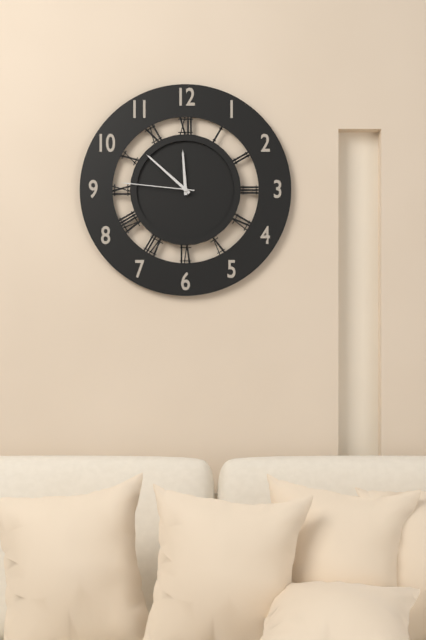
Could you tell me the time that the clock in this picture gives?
11:52:46
